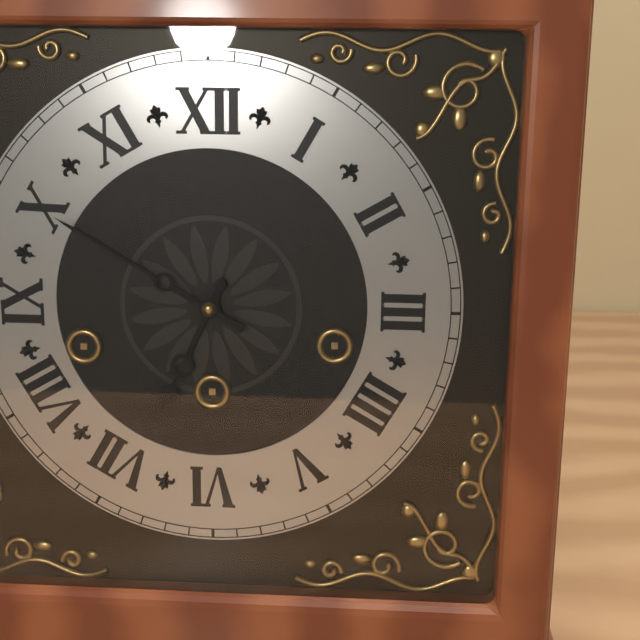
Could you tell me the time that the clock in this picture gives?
6:50
